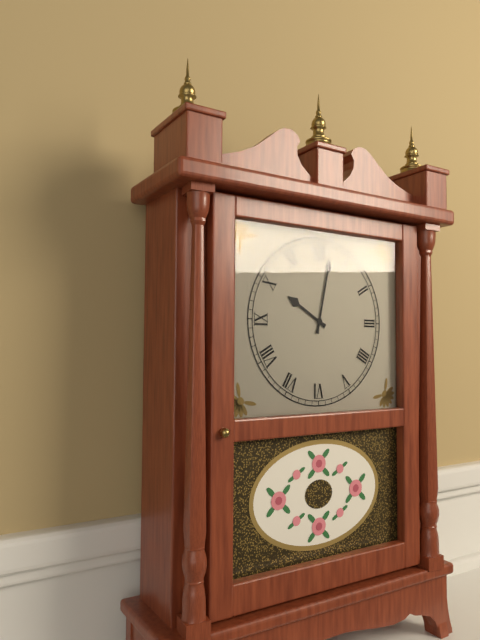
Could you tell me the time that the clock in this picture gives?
10:02
